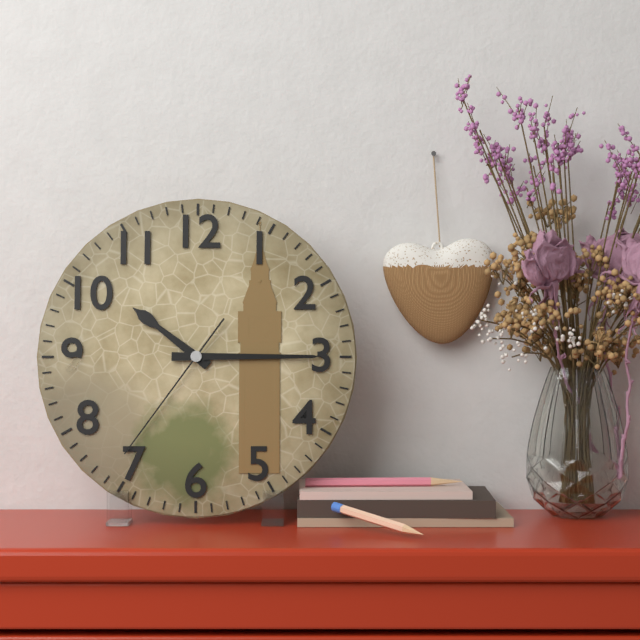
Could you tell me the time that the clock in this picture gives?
10:15:36
